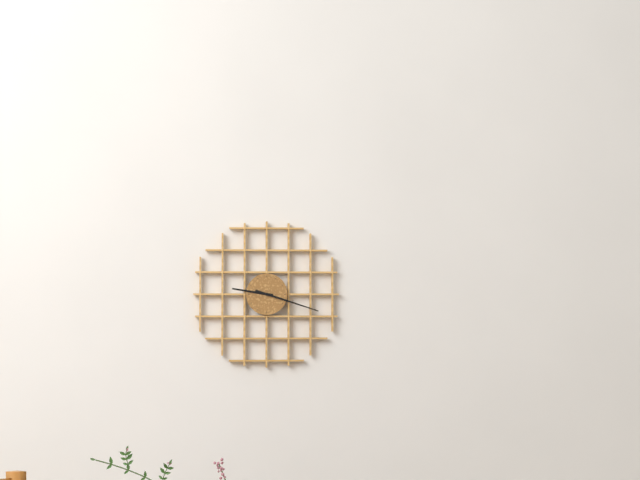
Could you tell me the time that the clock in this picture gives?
9:18
